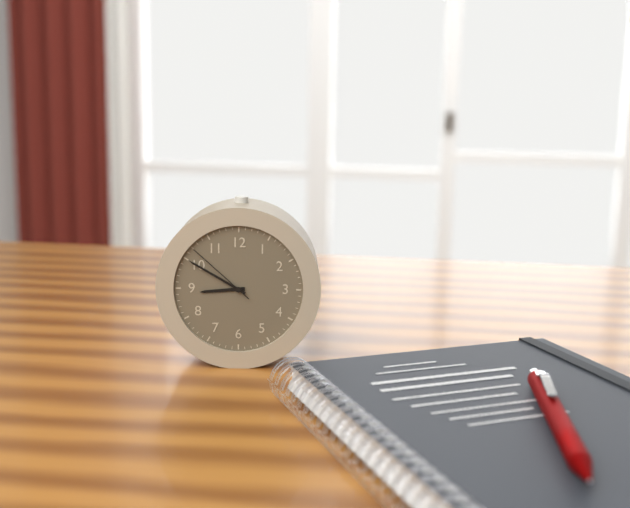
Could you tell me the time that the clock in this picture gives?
8:50:52
